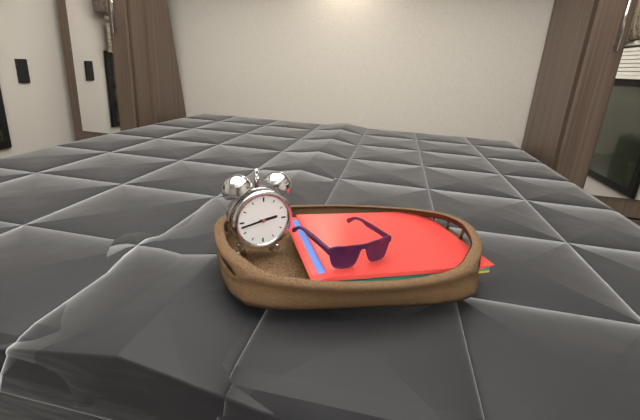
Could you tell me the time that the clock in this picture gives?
2:43
